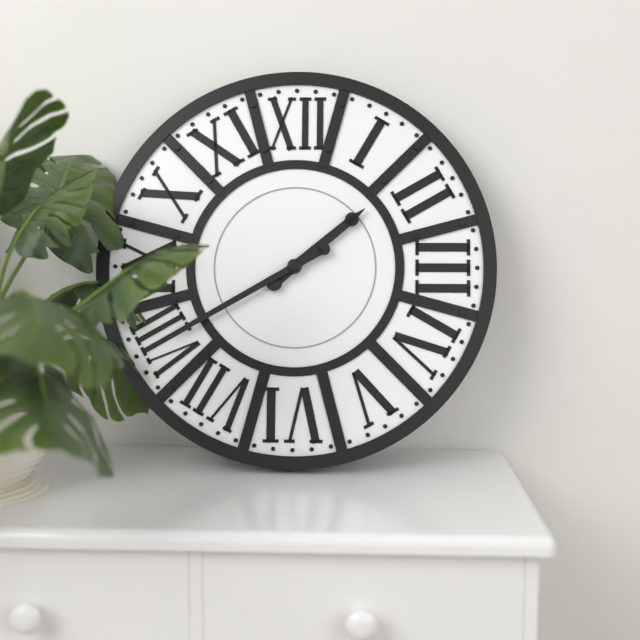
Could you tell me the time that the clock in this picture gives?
1:40
